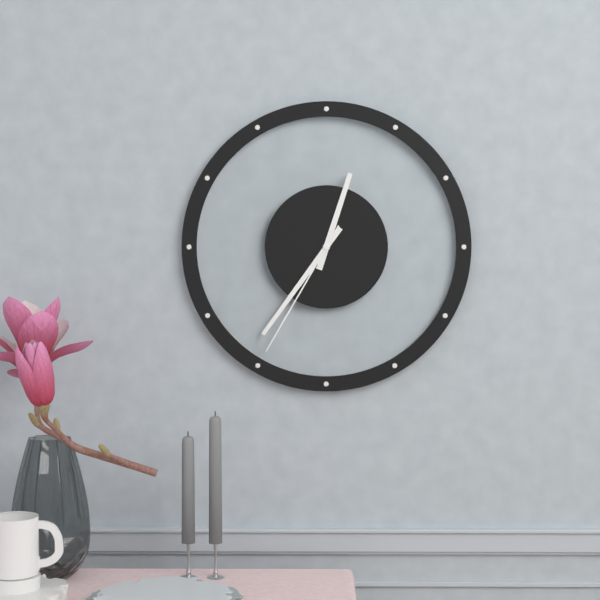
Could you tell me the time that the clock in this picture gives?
12:36:35
